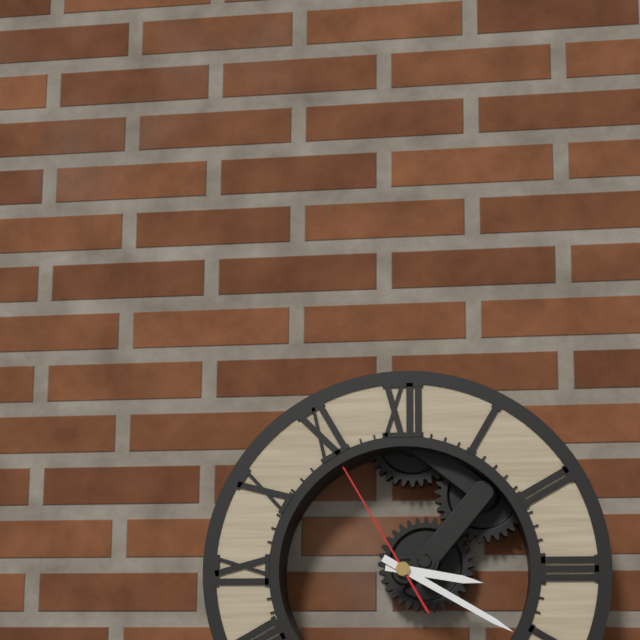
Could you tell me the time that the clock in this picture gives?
3:20:55
